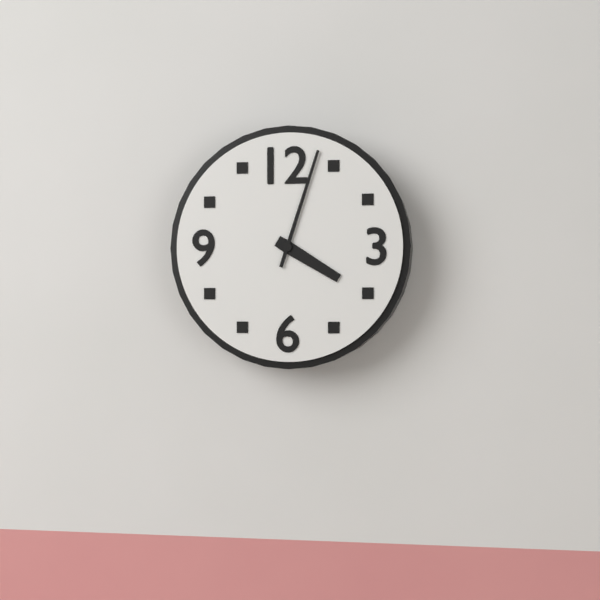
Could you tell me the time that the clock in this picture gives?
4:03
